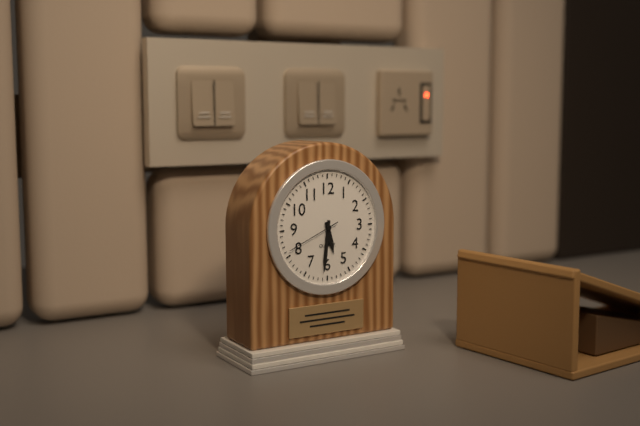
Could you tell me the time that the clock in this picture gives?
5:31:41
